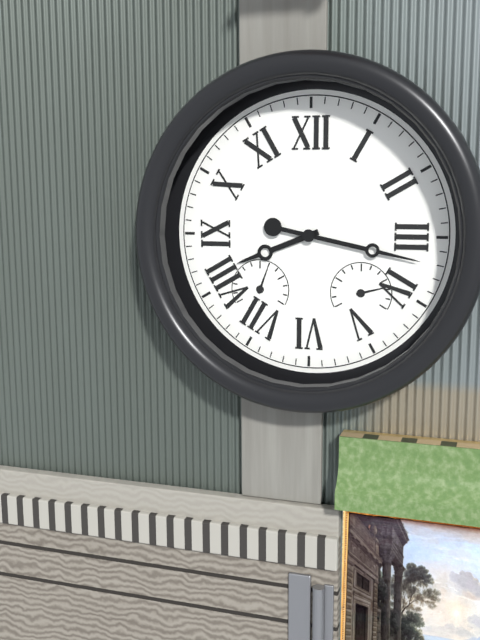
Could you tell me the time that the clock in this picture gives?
8:17
